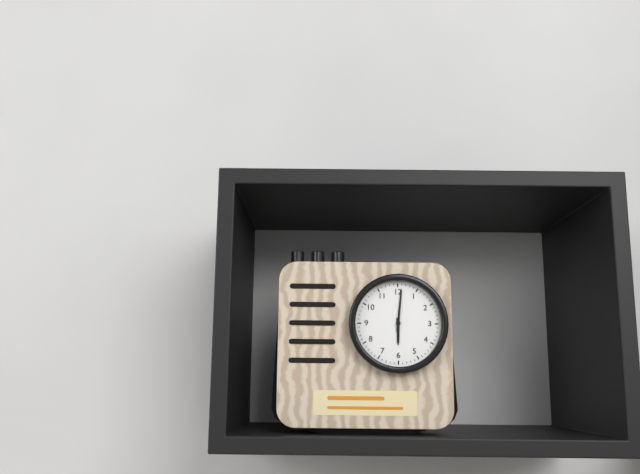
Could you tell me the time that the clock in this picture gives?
6:01
